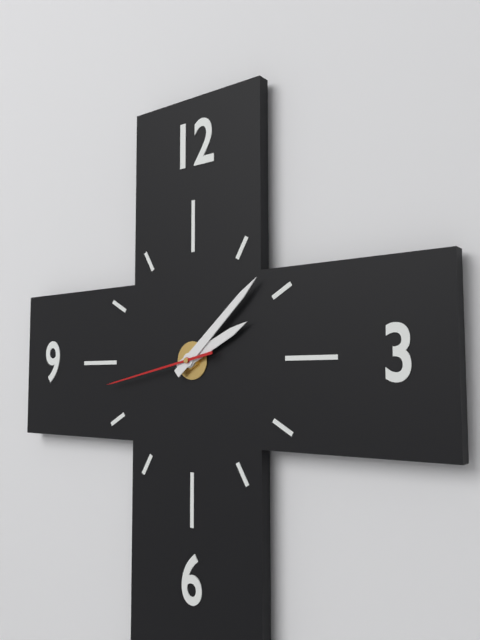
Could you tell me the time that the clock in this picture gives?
2:08:43
